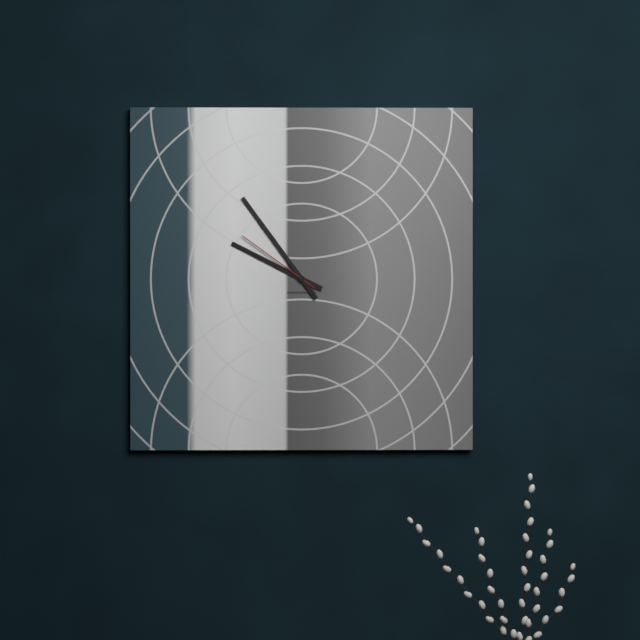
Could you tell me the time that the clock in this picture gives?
9:54:51
